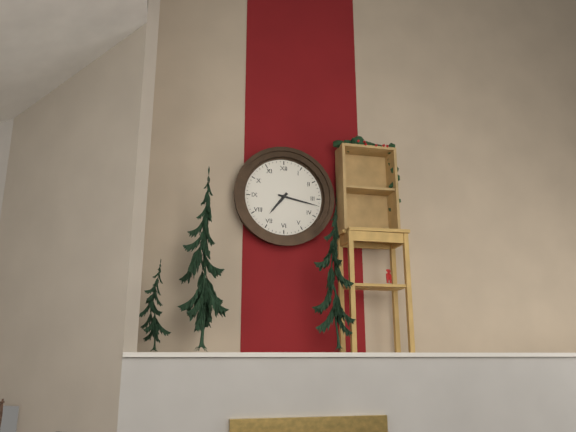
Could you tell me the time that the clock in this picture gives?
7:17
